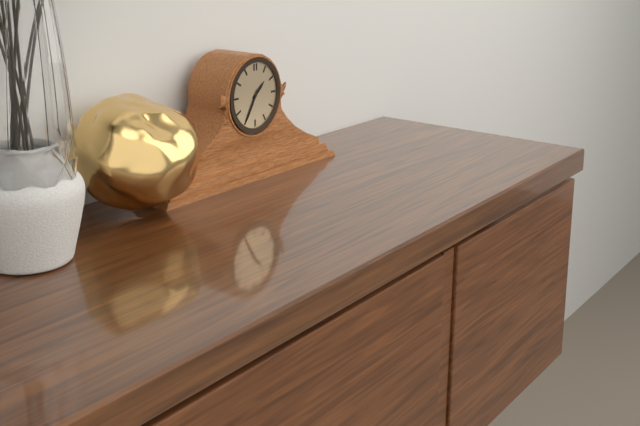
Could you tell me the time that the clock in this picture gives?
1:35
